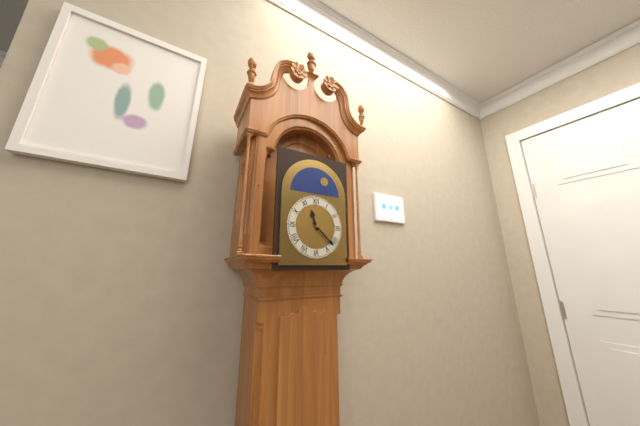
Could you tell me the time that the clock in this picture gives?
11:22
